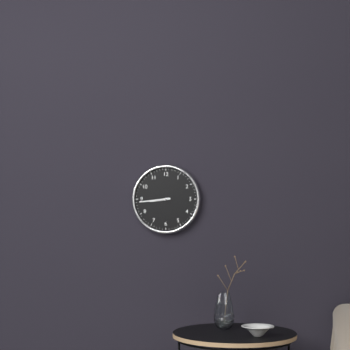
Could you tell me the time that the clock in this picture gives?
8:44
